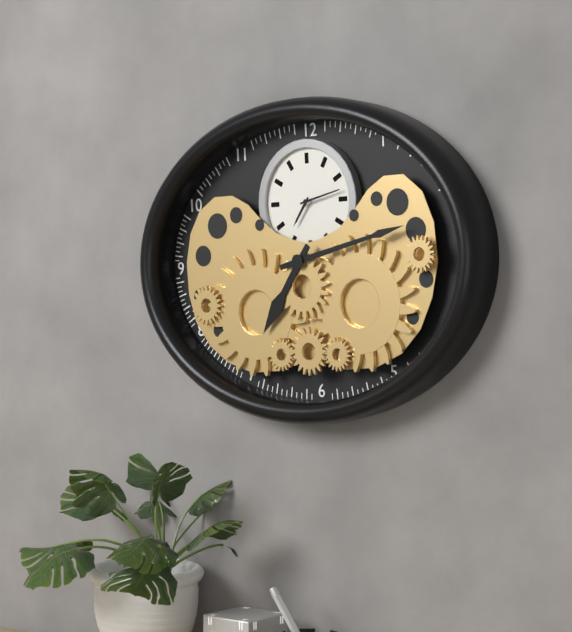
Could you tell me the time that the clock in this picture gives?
7:13
